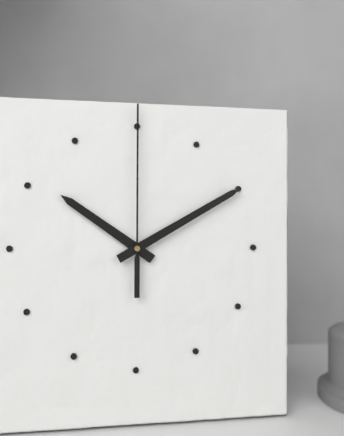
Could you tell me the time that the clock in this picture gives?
10:10:00
